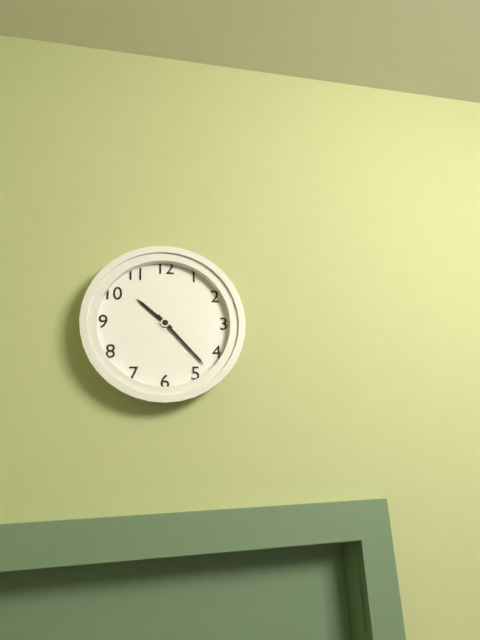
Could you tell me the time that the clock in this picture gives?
10:23
